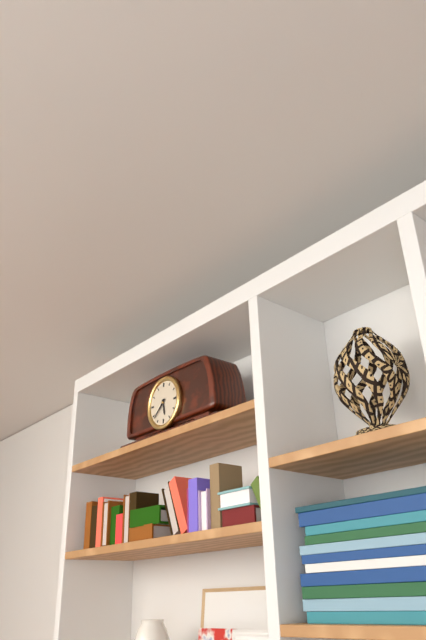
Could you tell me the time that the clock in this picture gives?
5:38
